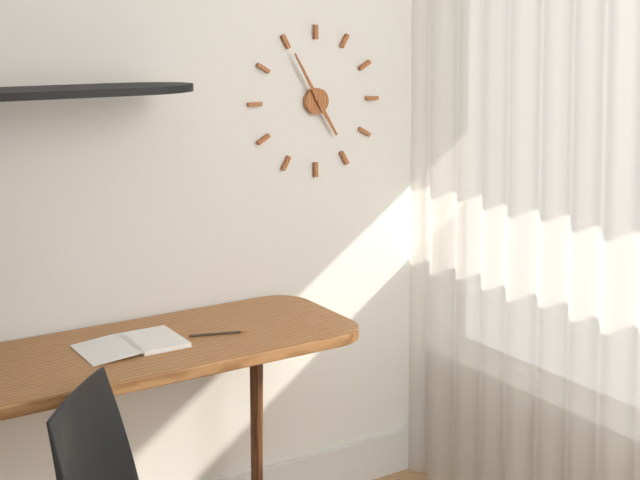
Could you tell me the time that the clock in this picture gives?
4:55
